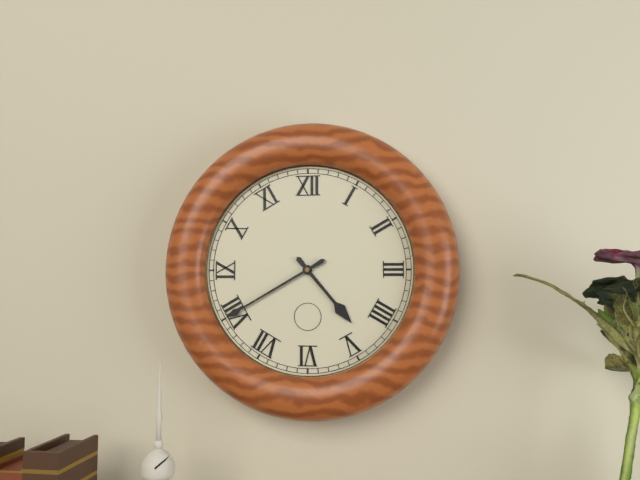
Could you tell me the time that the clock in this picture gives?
4:40
